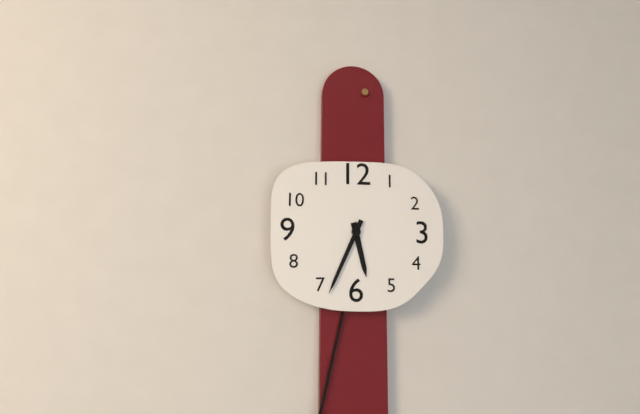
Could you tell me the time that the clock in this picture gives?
5:34
